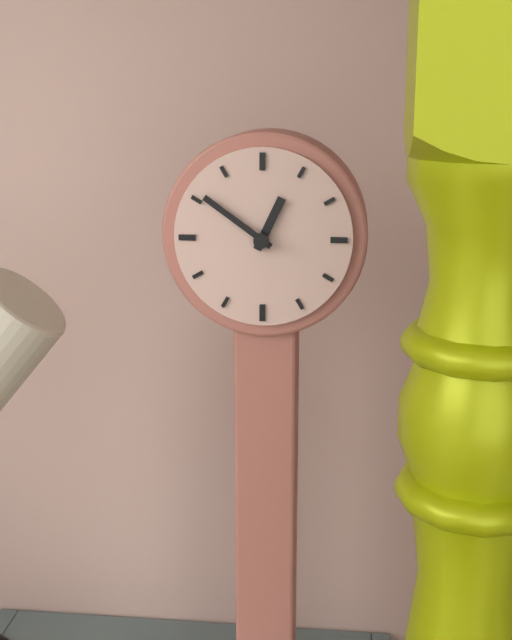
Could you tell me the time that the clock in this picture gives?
12:51
